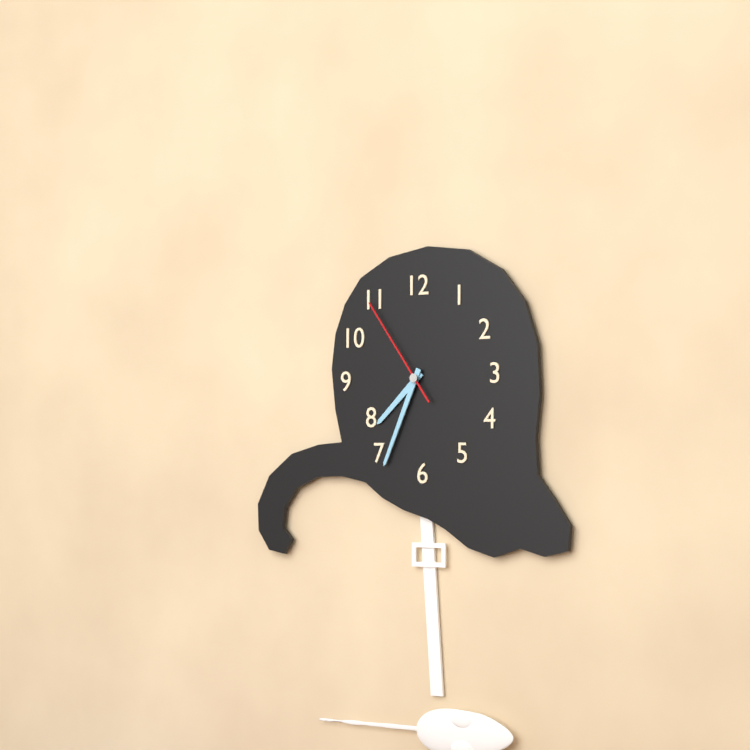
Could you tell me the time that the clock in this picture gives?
7:34:54
